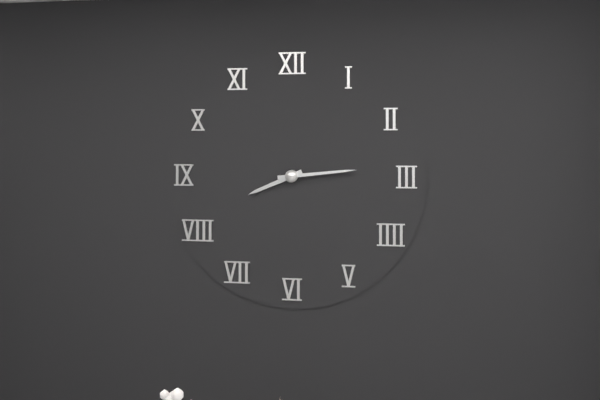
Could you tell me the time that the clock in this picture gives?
8:14
